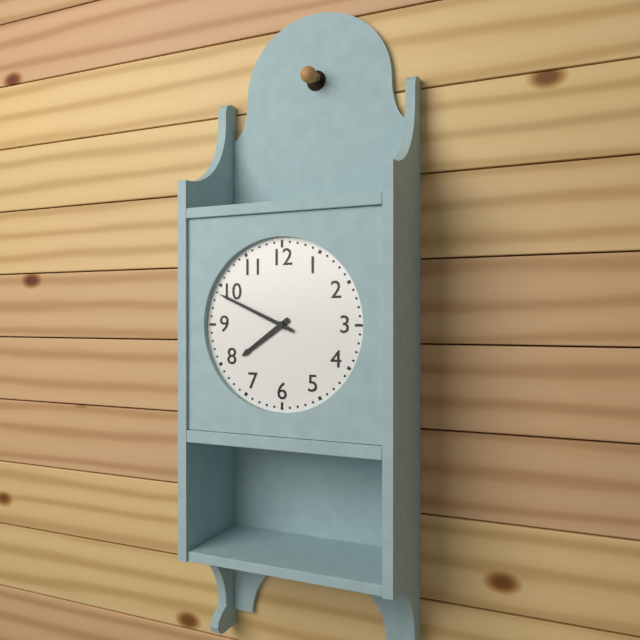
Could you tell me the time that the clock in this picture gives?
7:49
